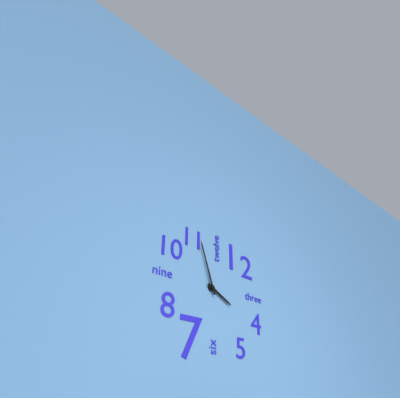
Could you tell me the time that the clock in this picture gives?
3:57
